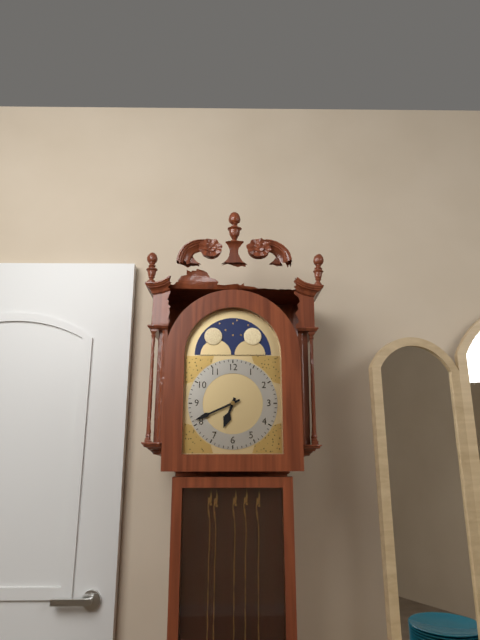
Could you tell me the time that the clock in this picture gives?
6:41
